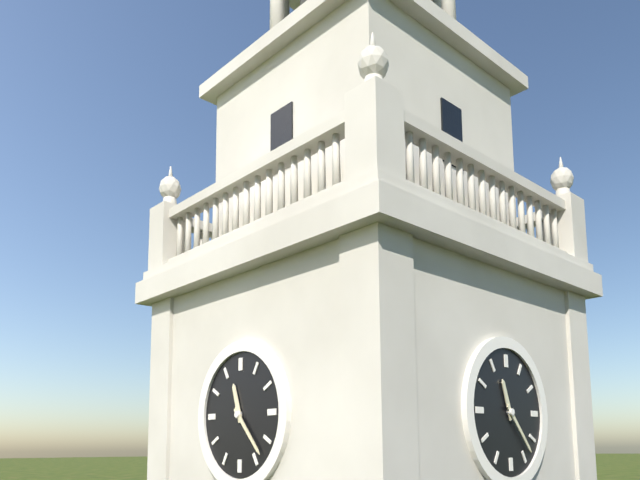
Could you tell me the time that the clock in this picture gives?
11:23
